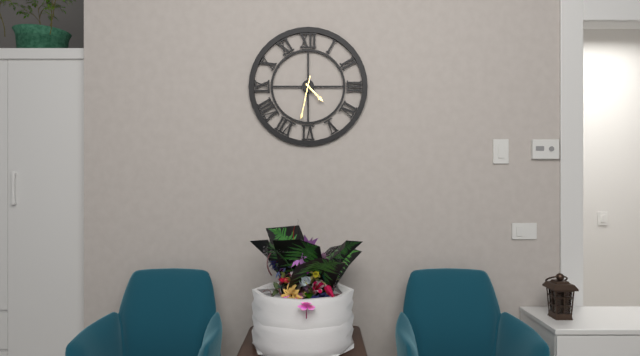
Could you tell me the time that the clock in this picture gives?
4:32
